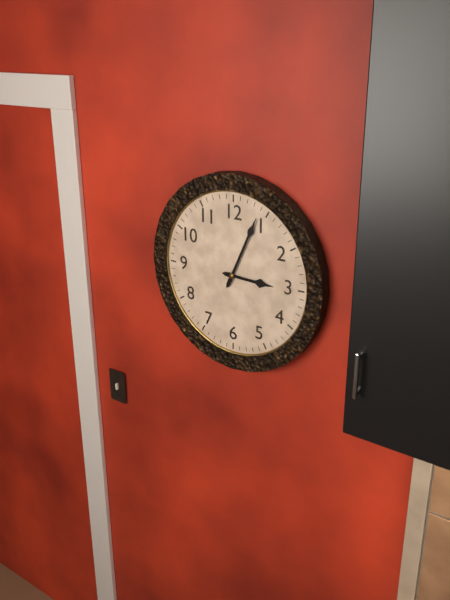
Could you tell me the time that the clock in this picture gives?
3:04
